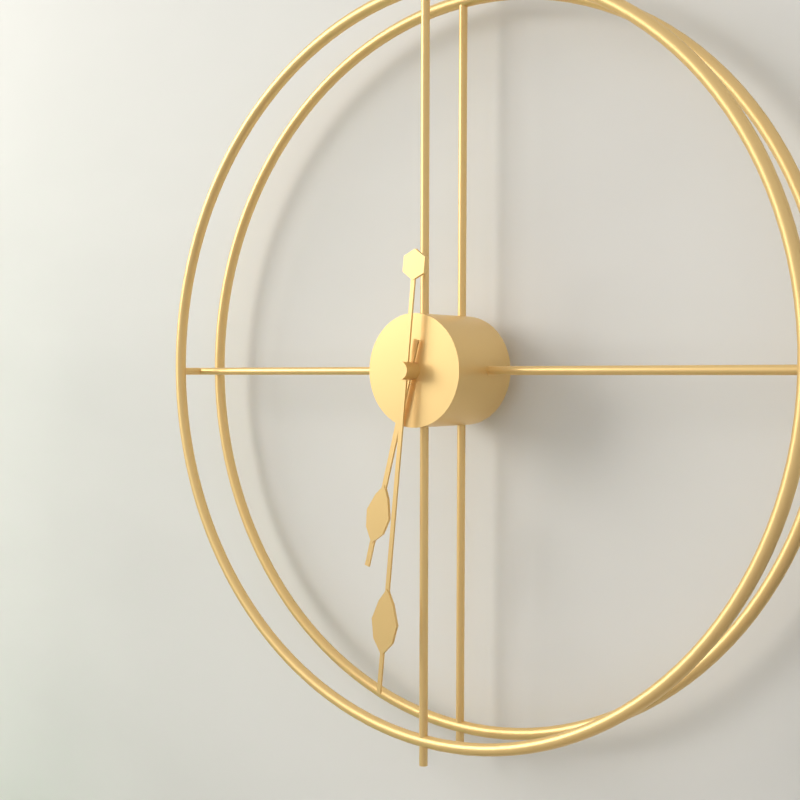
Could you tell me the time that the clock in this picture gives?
6:31
